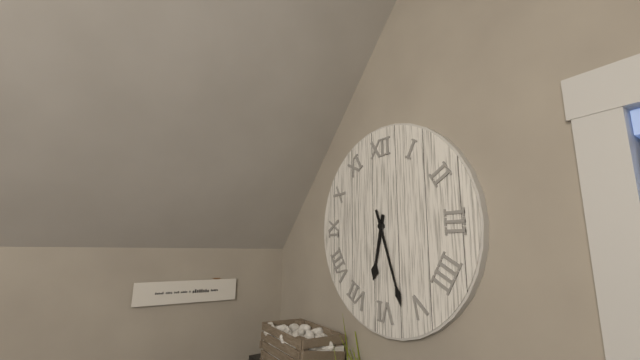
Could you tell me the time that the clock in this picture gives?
6:27
